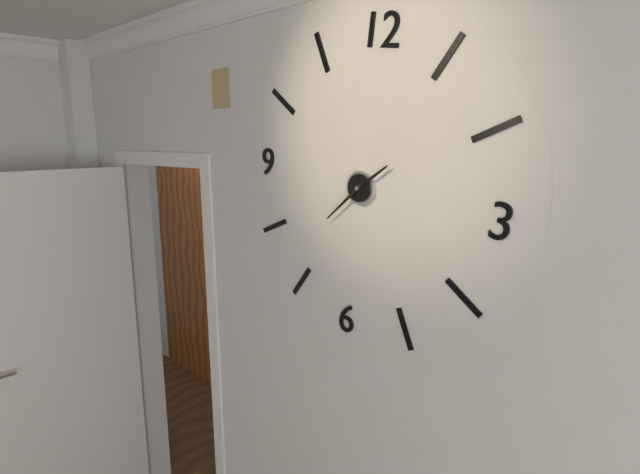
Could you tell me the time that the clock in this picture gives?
1:37
